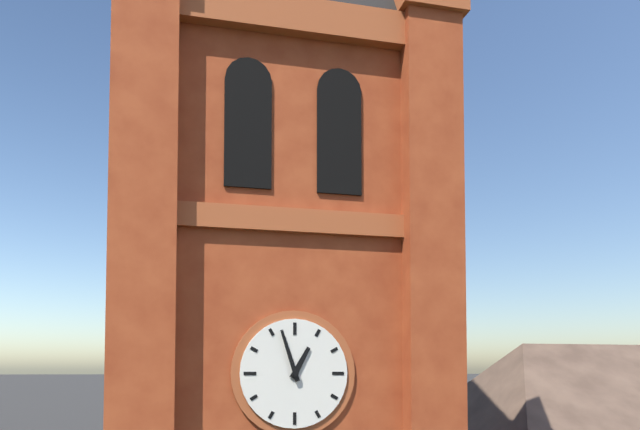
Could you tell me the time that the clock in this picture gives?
12:57
